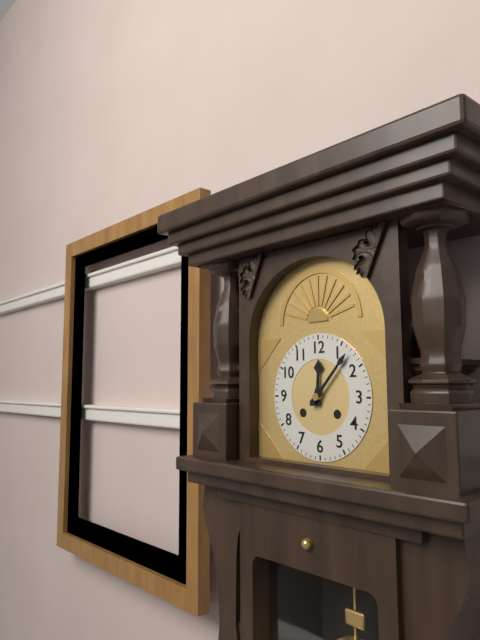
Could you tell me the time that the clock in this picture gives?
12:07
